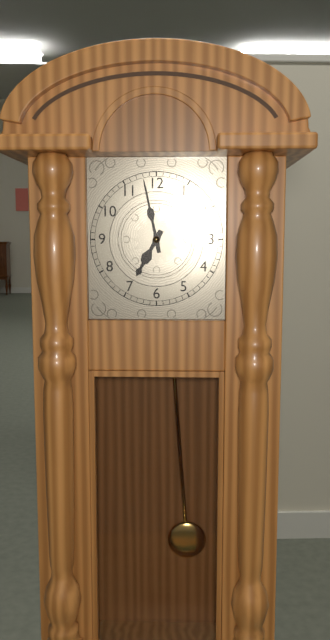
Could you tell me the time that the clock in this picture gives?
6:58
